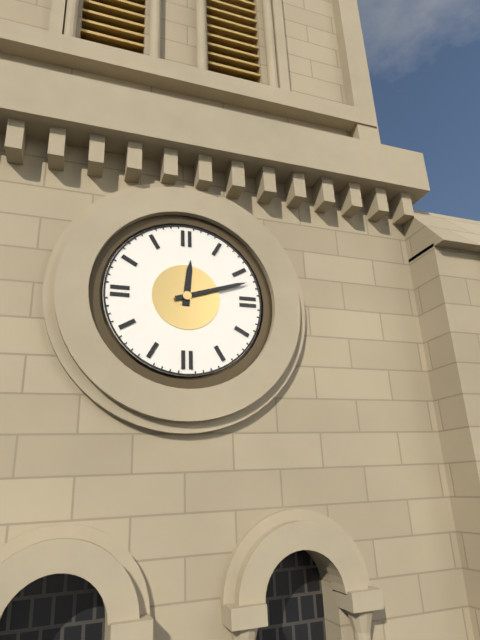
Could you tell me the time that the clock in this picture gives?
12:12
